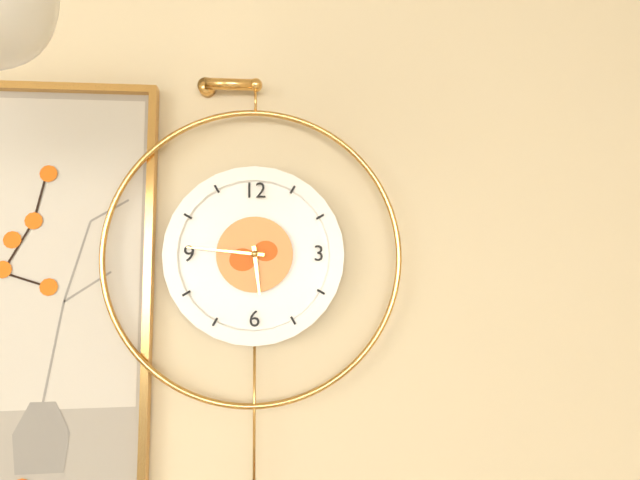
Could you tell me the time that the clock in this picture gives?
5:46
